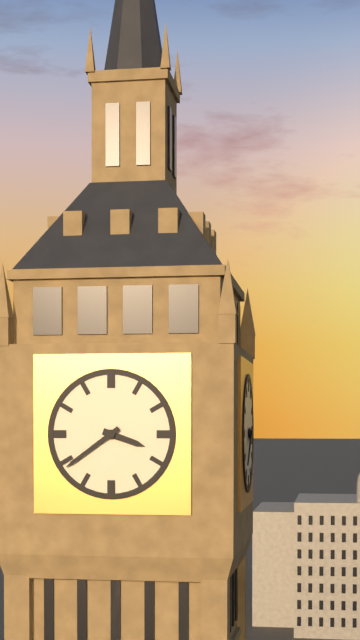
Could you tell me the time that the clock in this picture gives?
3:39
